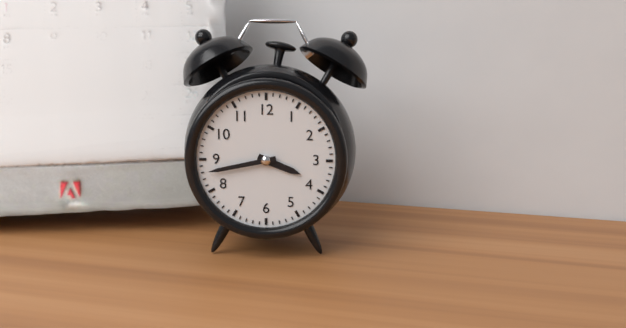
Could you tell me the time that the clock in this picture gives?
3:43
